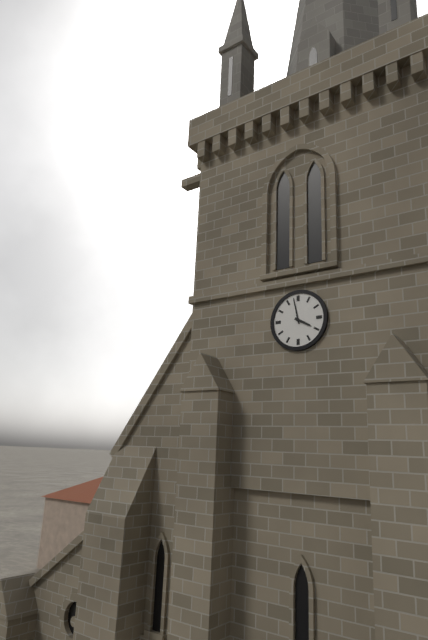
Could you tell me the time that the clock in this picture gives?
3:58
